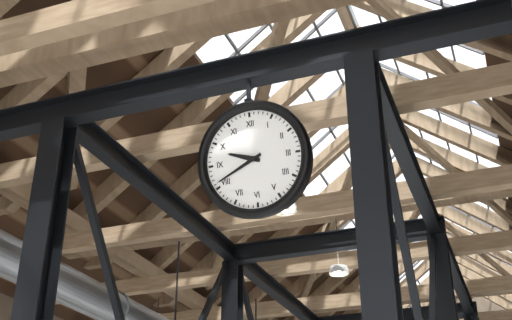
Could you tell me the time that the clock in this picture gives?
9:41
